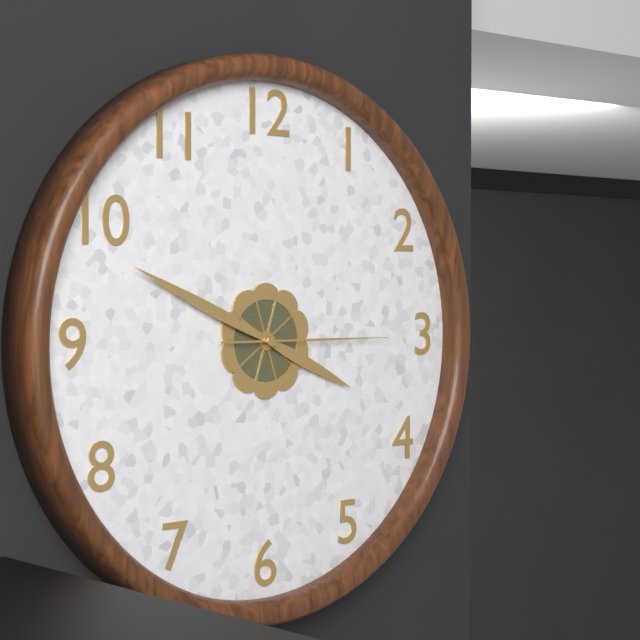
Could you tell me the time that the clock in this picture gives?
3:49:15
